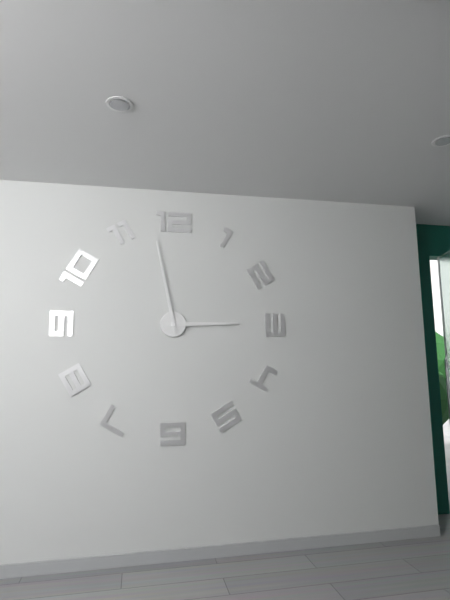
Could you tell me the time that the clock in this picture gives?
2:58
